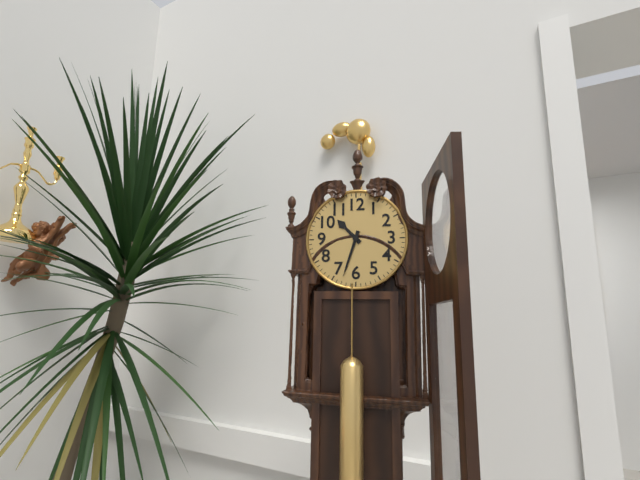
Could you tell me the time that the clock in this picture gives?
10:33
